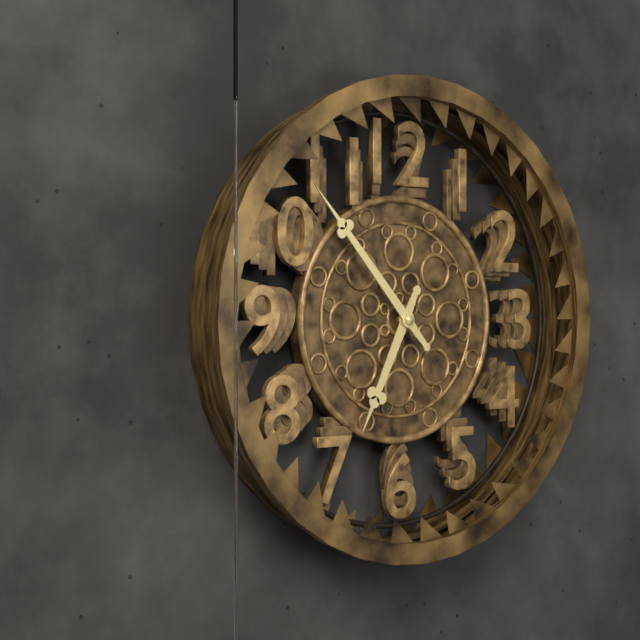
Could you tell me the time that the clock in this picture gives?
6:53
